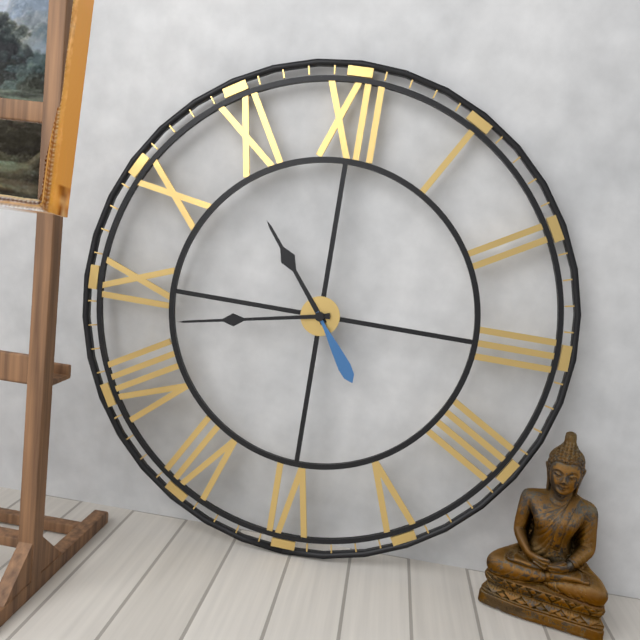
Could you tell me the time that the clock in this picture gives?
10:43:24
